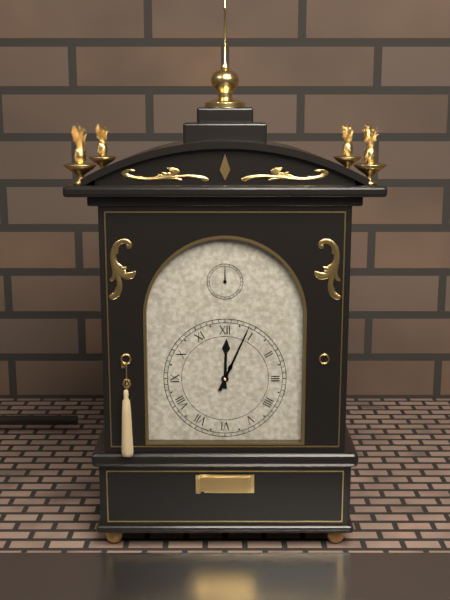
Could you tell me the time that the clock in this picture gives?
12:04
